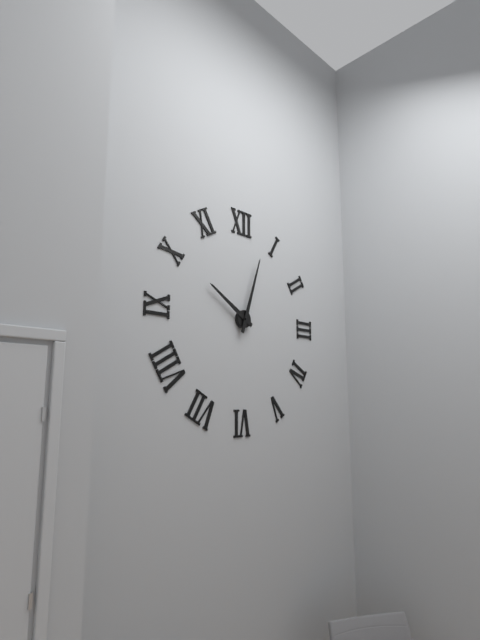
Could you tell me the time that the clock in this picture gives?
10:03
